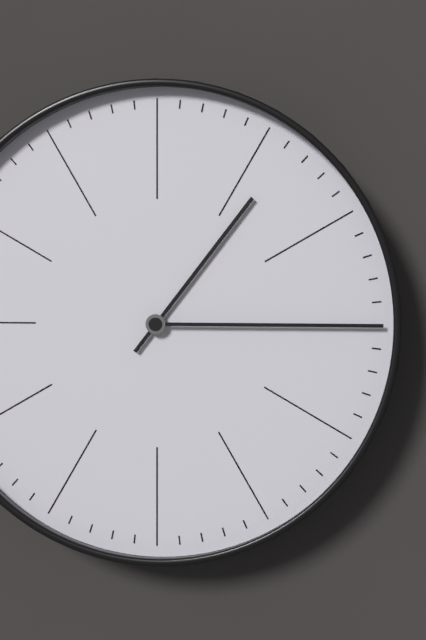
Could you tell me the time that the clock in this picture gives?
1:15
